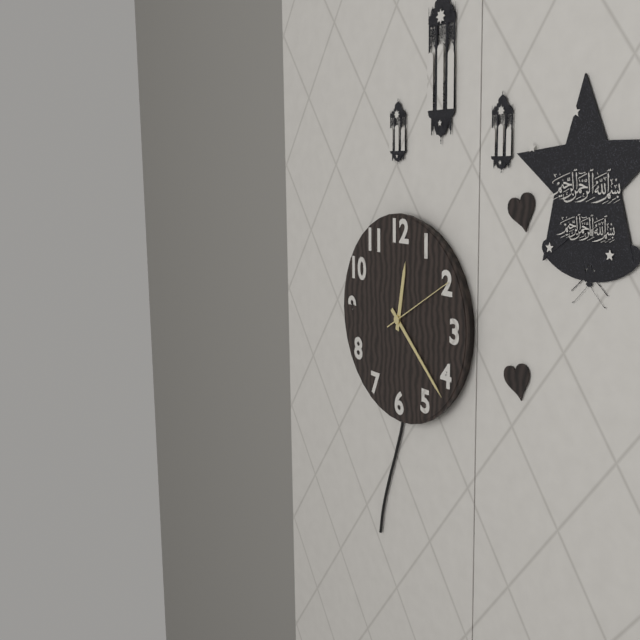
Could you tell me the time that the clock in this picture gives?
12:22:10
